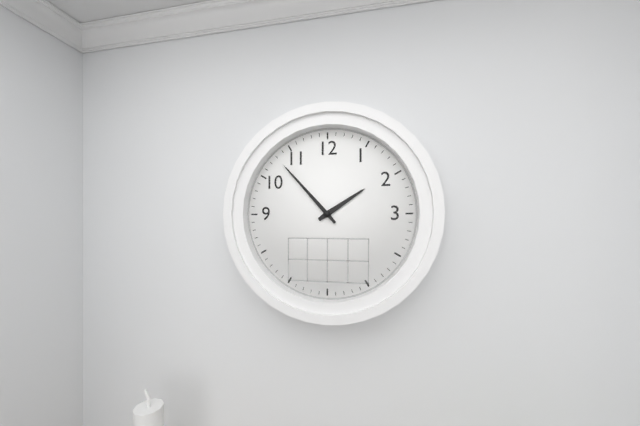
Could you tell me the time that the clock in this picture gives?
1:53
